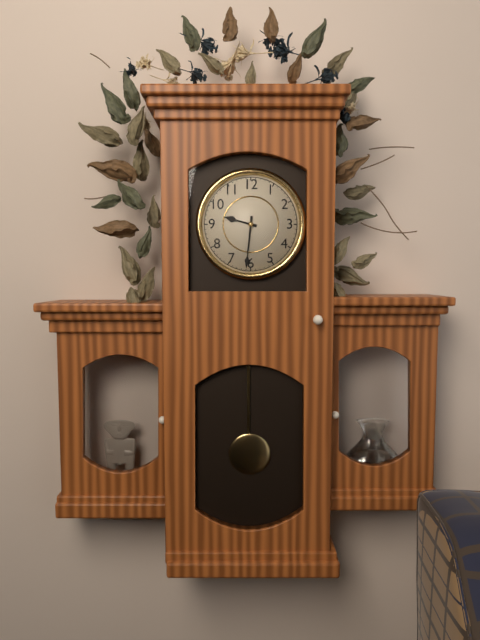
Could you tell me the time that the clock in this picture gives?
9:31
